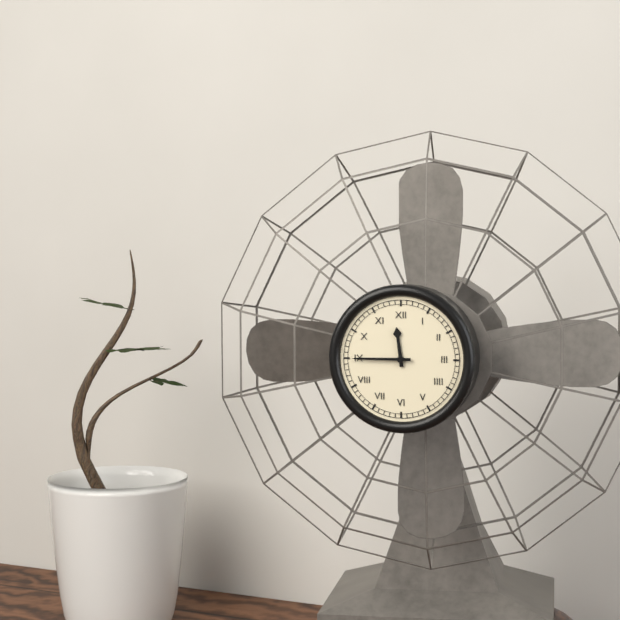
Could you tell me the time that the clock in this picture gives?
11:45
